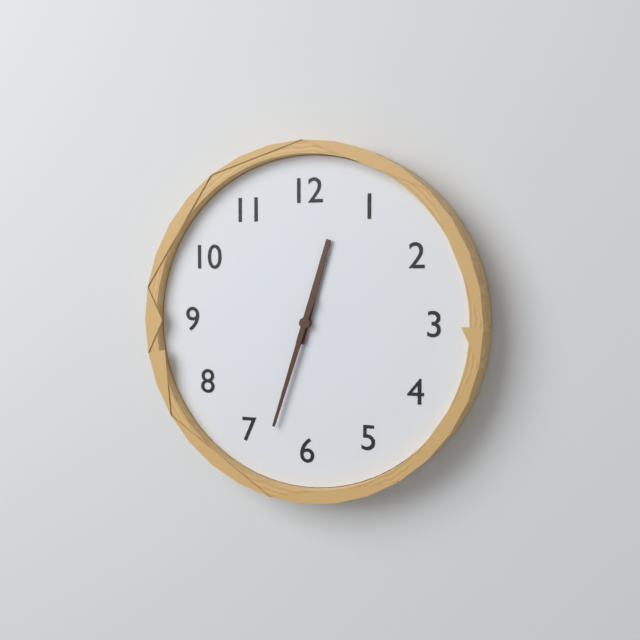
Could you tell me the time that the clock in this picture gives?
12:33
